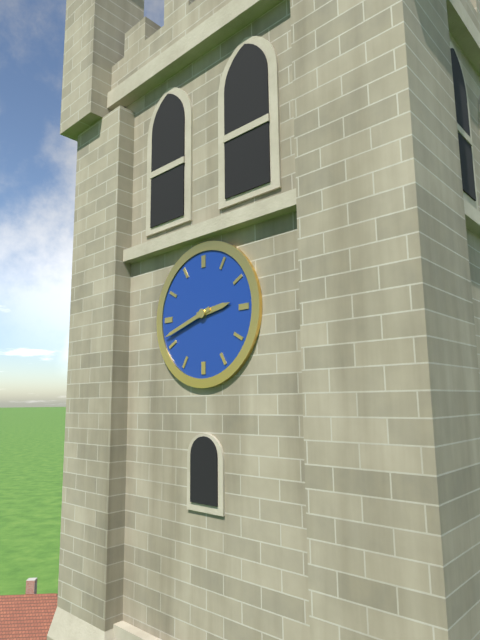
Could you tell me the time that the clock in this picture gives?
2:42
